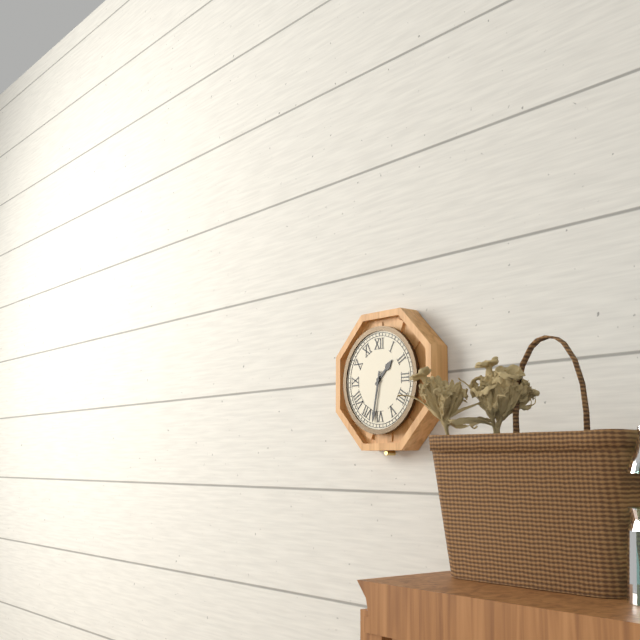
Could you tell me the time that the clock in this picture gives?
1:32
